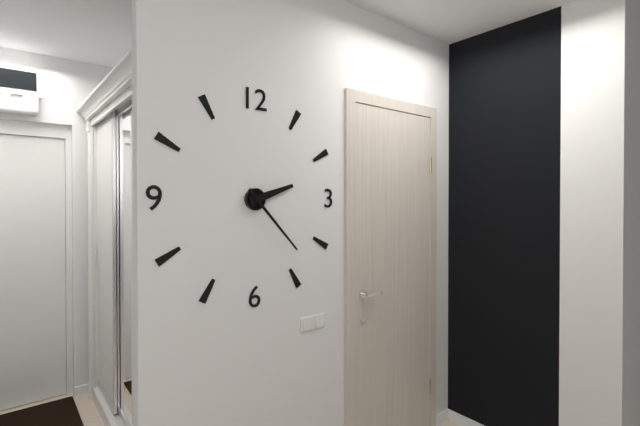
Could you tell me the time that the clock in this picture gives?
2:23
